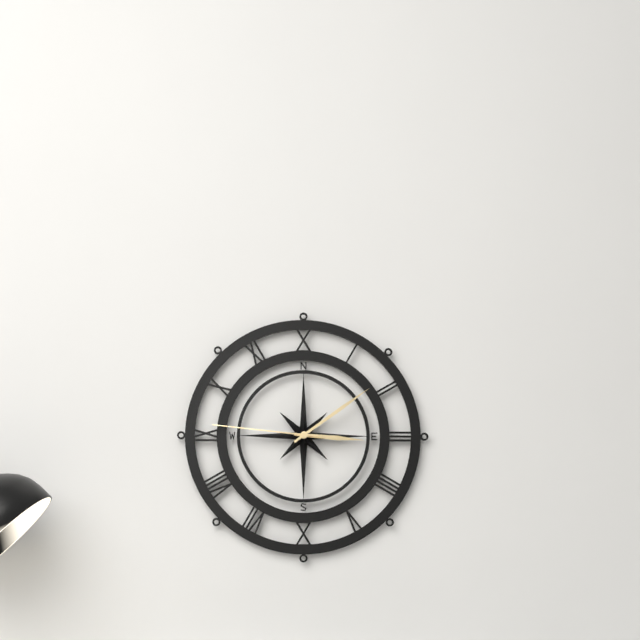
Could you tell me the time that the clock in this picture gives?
3:09:46
